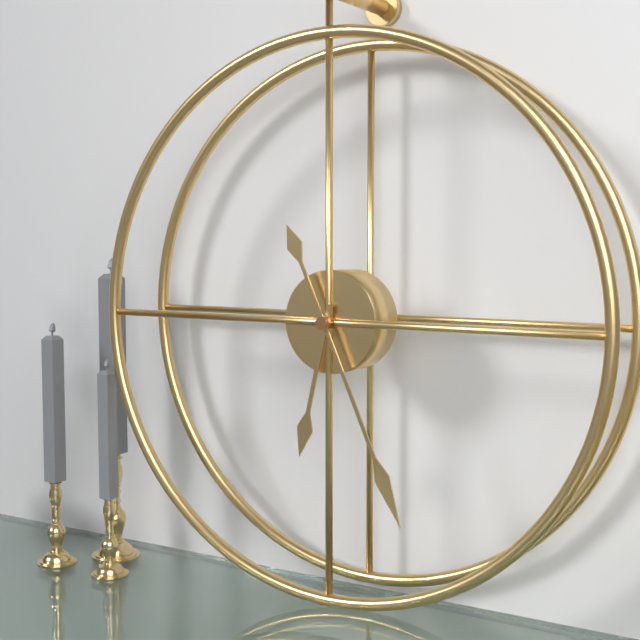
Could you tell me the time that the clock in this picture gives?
6:26
